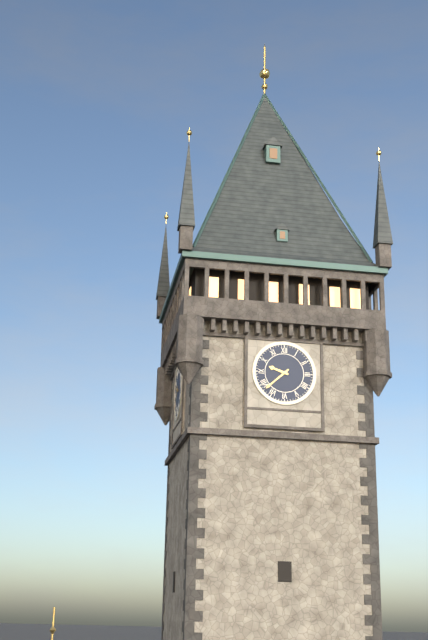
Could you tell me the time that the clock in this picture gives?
9:38
